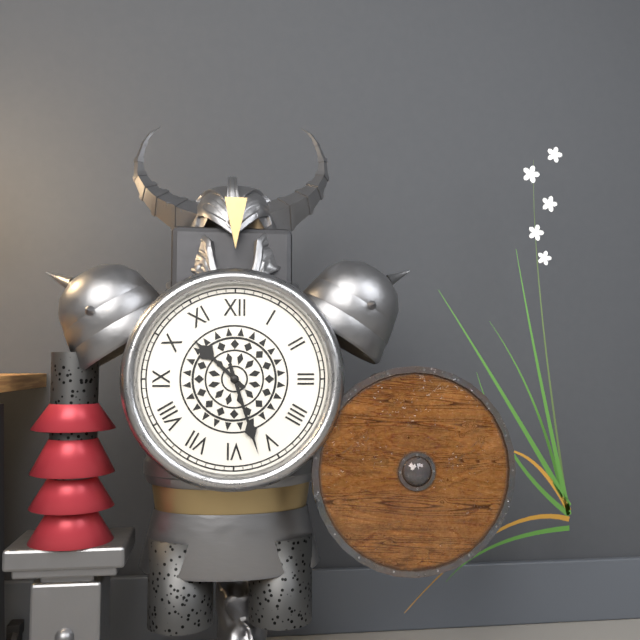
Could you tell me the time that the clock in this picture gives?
10:27
